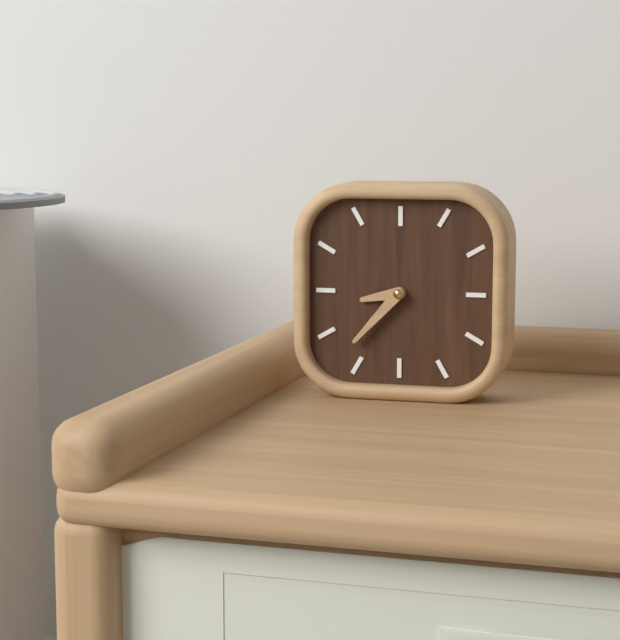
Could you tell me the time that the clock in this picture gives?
8:37
